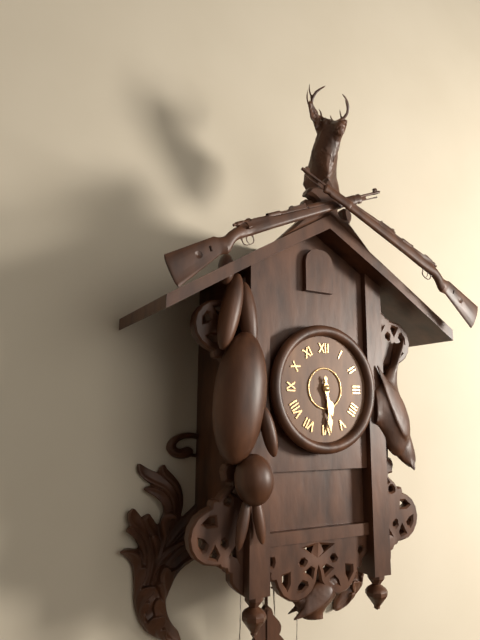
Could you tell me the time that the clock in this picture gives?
5:29
